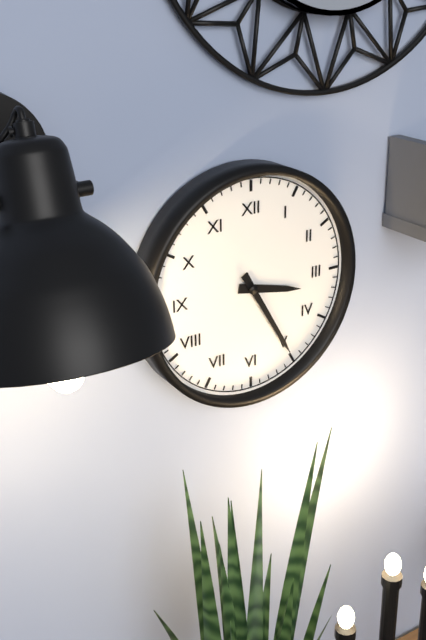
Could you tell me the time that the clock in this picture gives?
3:25
